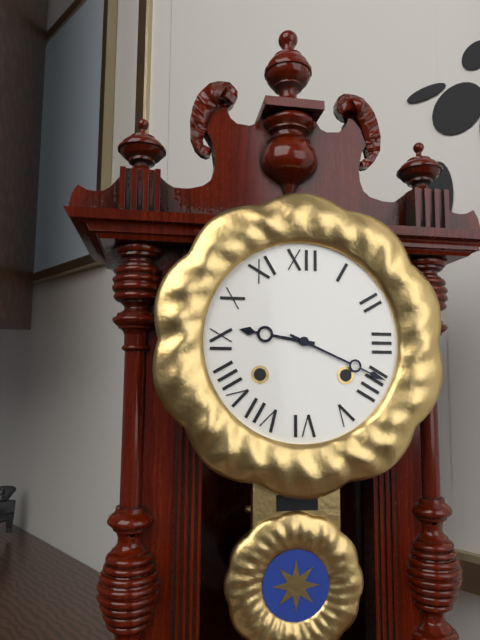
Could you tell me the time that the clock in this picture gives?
9:19
